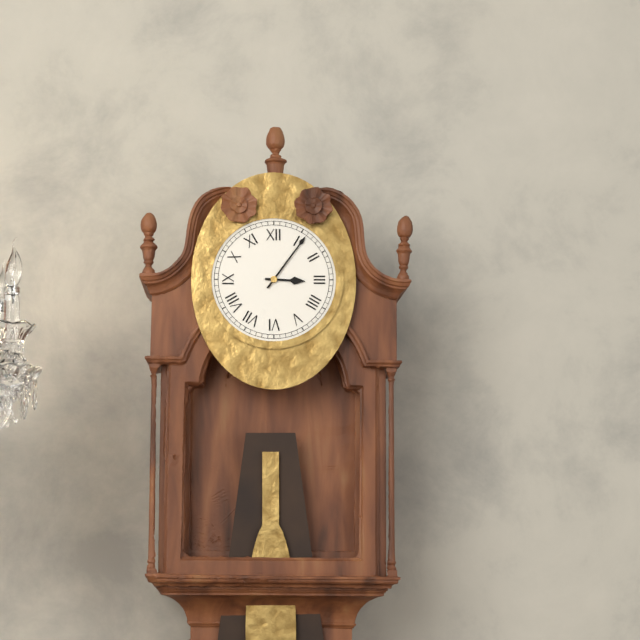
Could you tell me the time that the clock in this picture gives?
3:06
